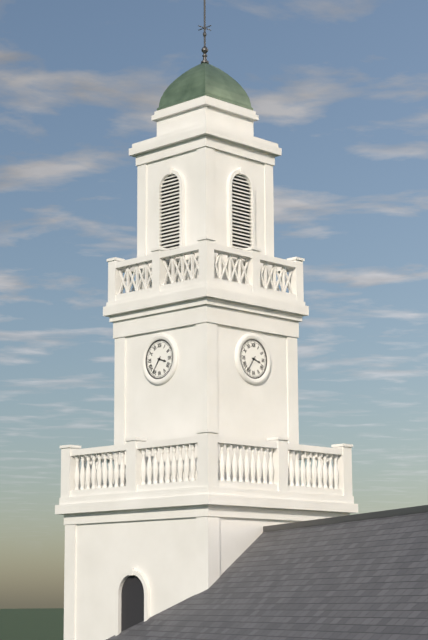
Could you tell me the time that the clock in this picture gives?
3:36
